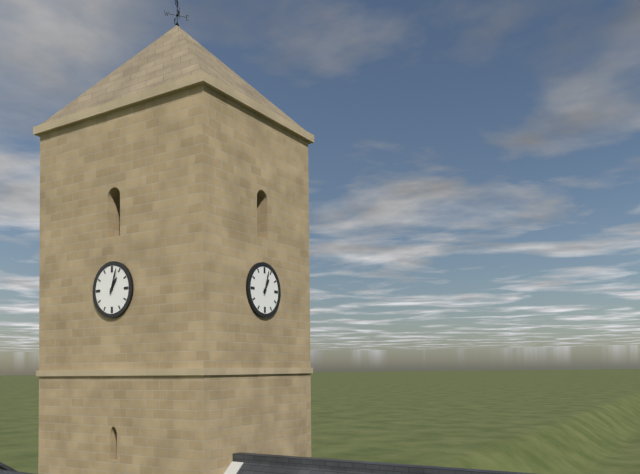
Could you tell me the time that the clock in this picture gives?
1:03
